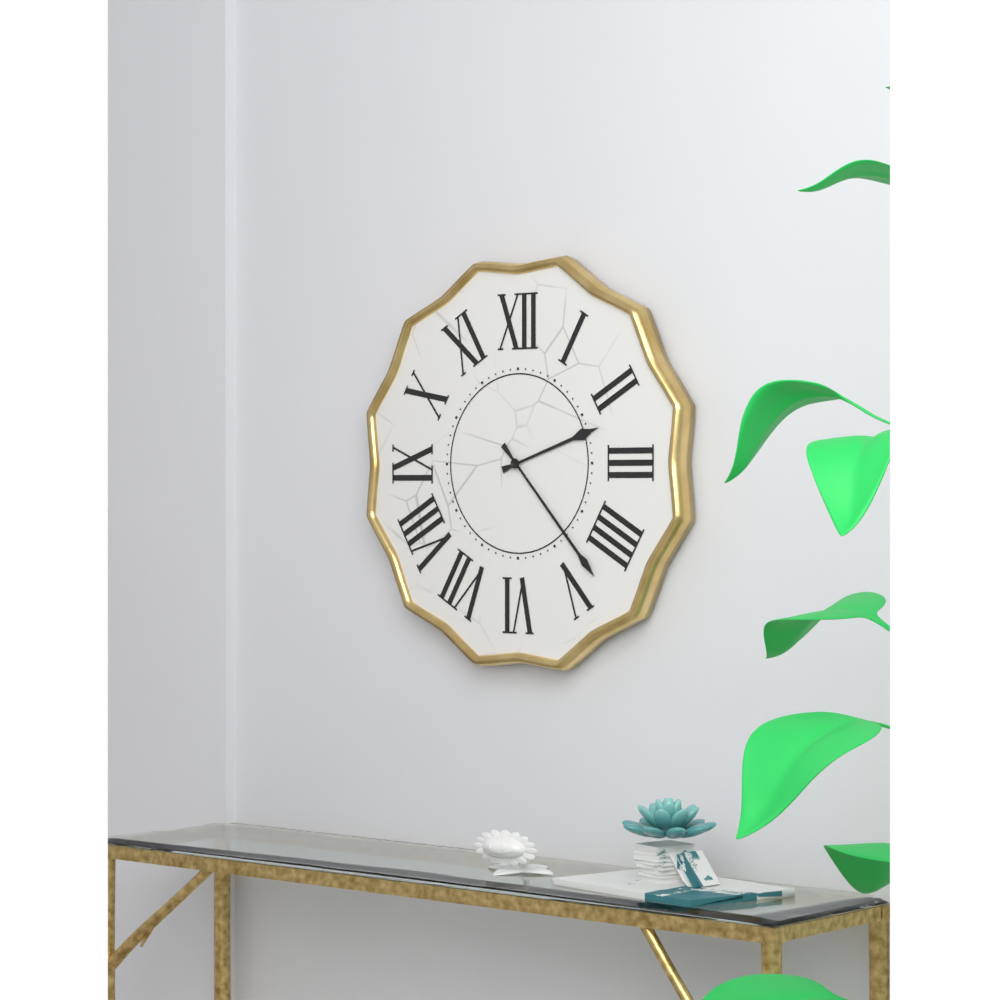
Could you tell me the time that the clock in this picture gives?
2:23
